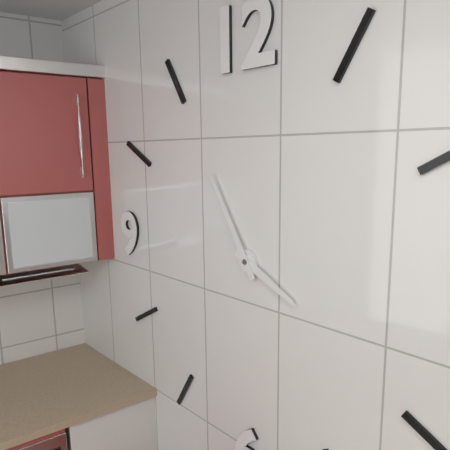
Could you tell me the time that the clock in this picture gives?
3:55
